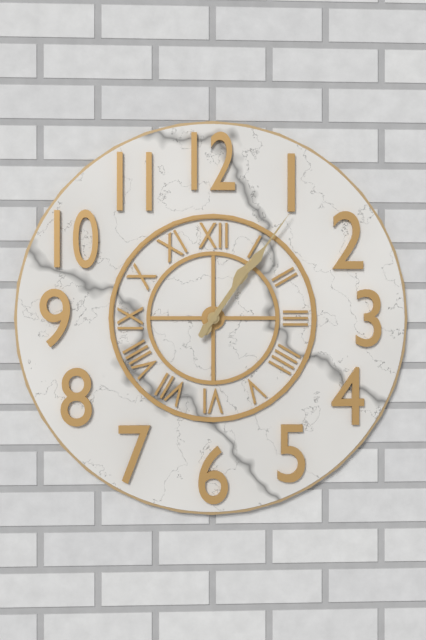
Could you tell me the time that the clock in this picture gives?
1:06
